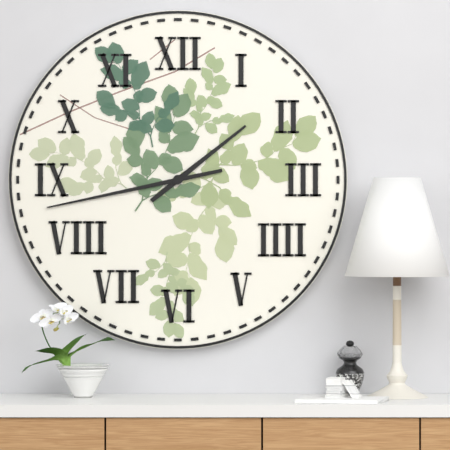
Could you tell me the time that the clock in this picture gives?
1:43
